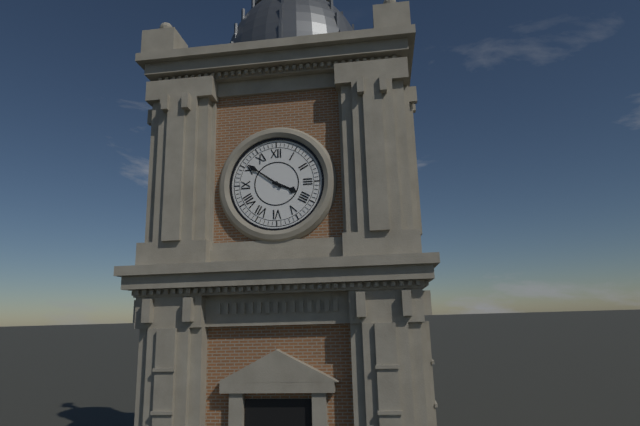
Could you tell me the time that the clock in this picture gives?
3:51
